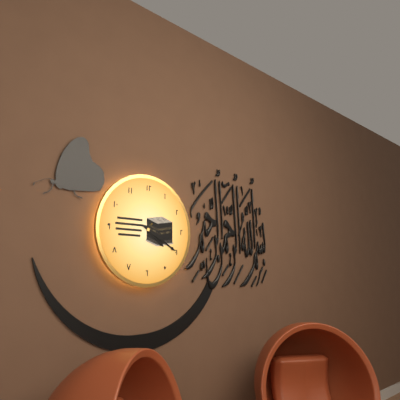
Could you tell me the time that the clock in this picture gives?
4:20
